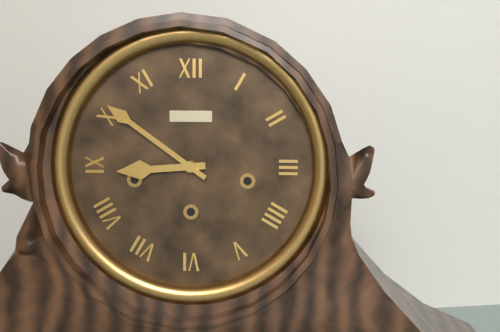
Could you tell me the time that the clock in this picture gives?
8:51
